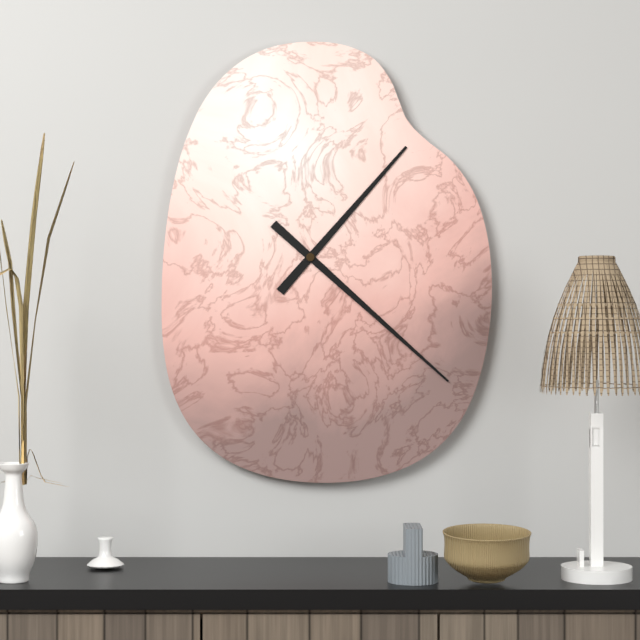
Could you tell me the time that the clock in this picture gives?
1:22
